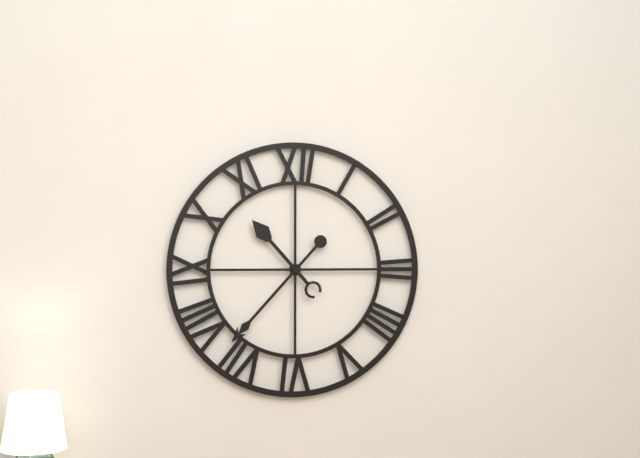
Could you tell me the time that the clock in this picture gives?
10:37
